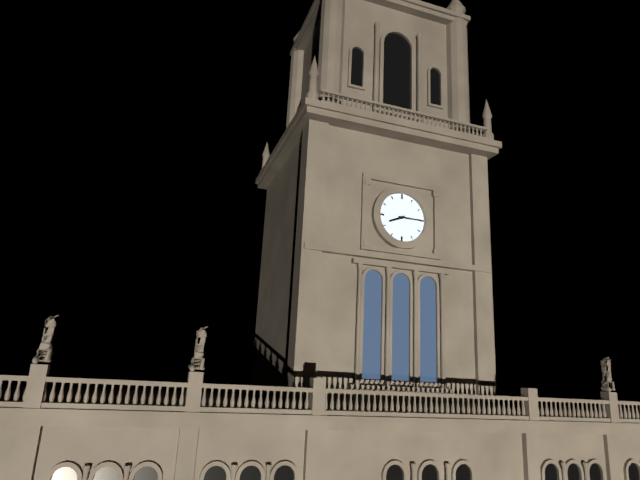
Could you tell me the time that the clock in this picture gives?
8:15
